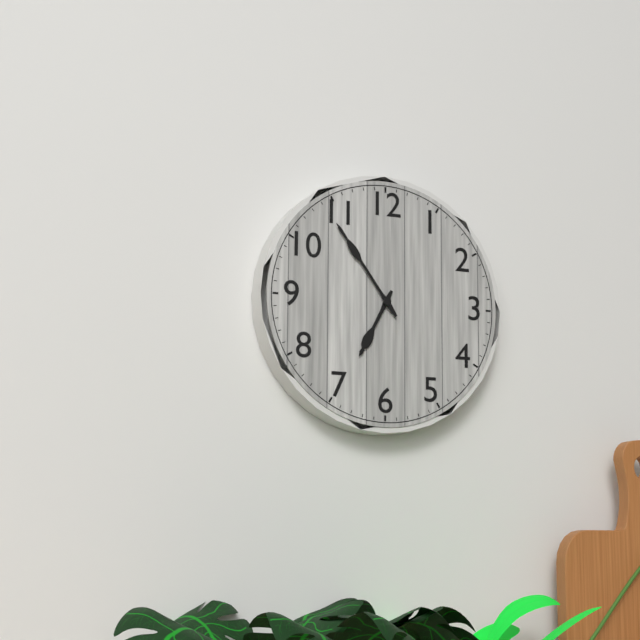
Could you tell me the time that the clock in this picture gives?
6:54
